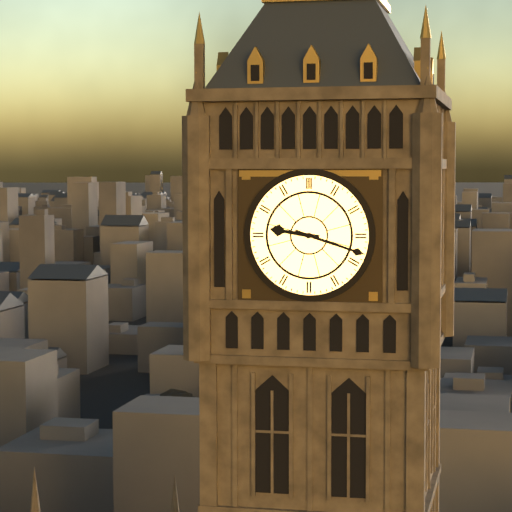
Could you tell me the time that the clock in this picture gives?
9:18
